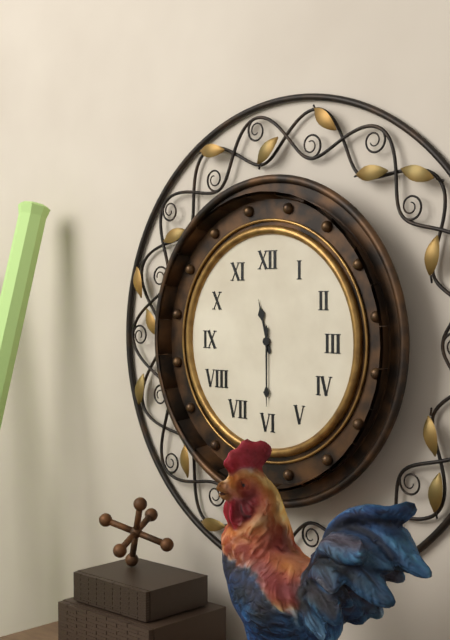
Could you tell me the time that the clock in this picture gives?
11:30
